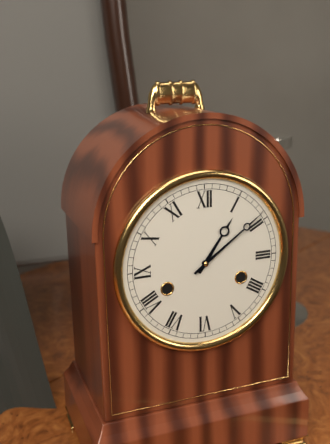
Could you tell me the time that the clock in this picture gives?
1:09
